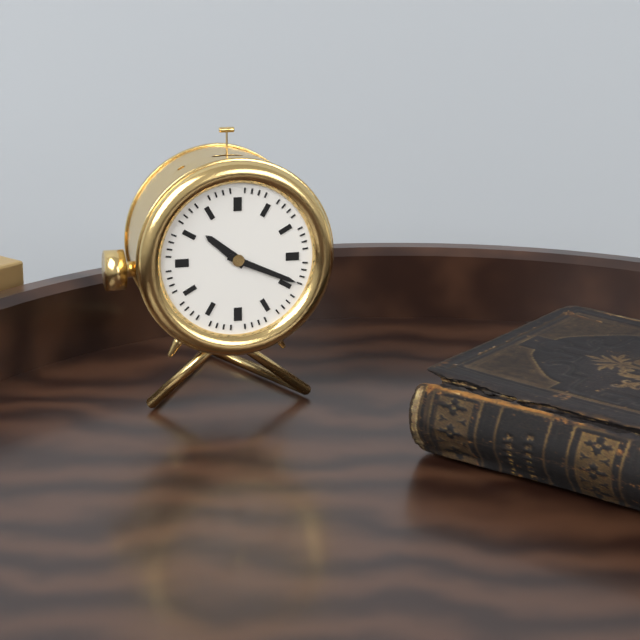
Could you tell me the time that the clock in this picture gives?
10:19
